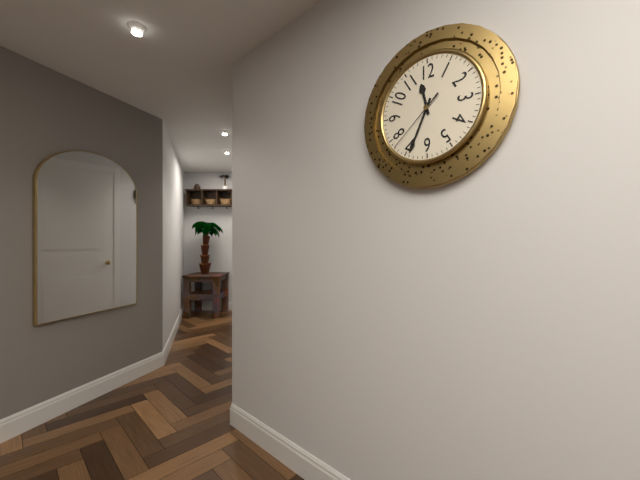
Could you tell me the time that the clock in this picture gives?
11:34:38
